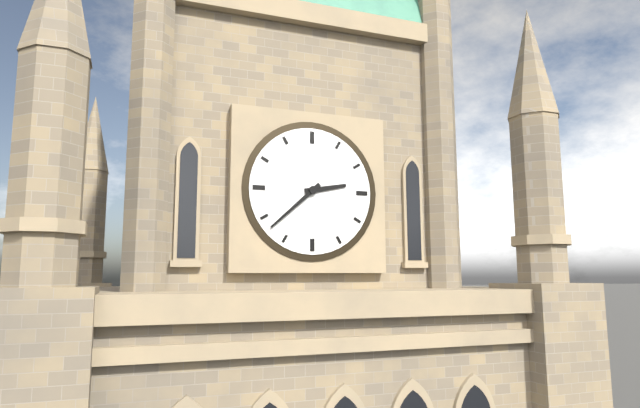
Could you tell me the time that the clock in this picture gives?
2:38
